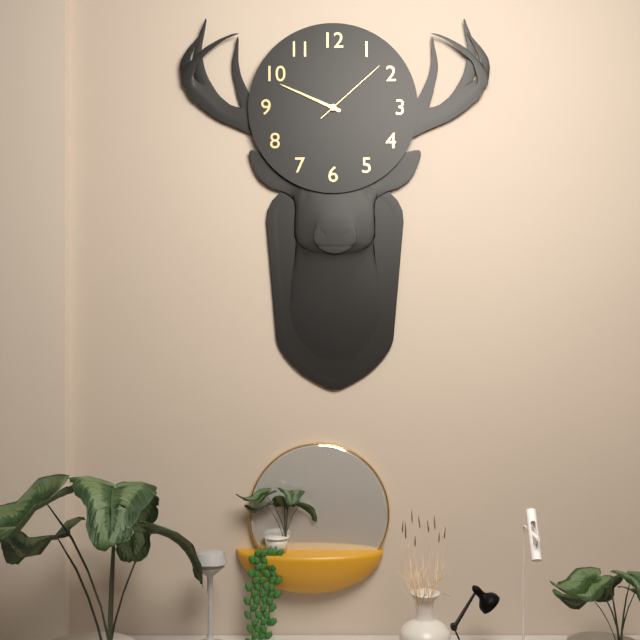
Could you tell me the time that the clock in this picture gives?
9:49:08
